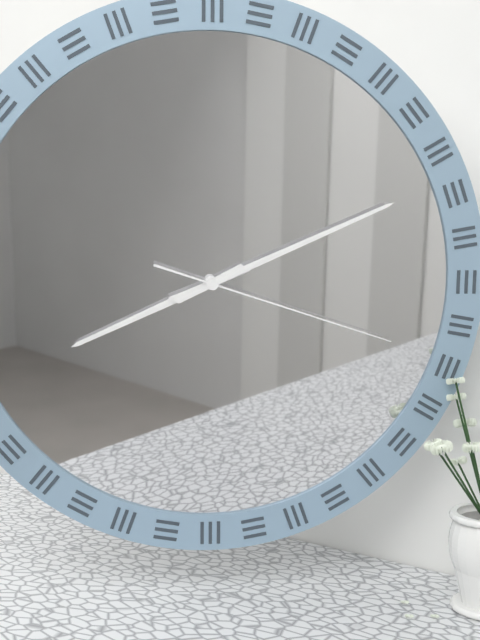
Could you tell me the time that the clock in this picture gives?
8:11:18
